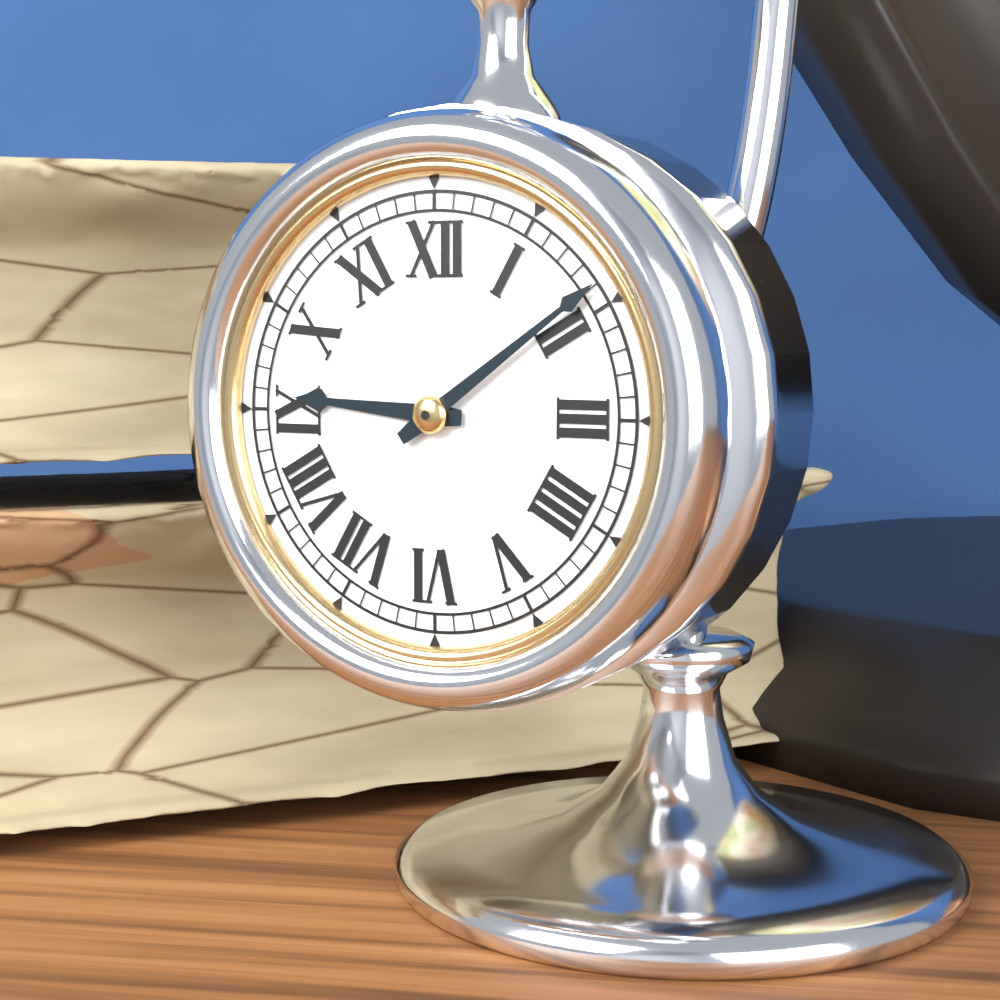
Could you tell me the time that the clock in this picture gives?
9:09
